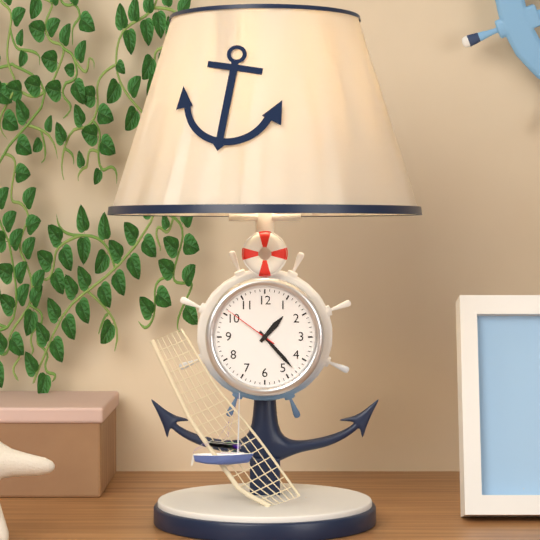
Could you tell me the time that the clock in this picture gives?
1:23:51
